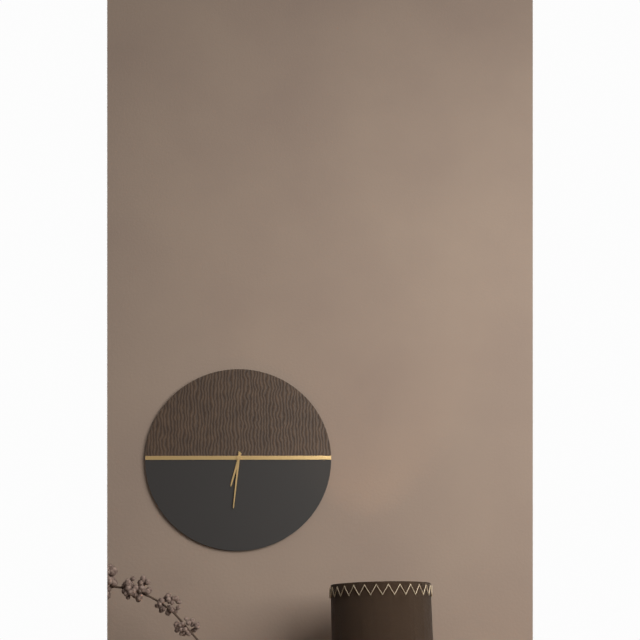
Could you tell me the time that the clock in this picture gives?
6:31
